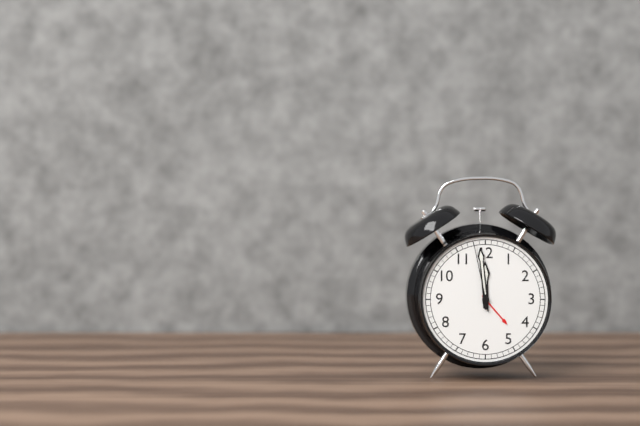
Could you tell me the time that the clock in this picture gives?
11:59:58
